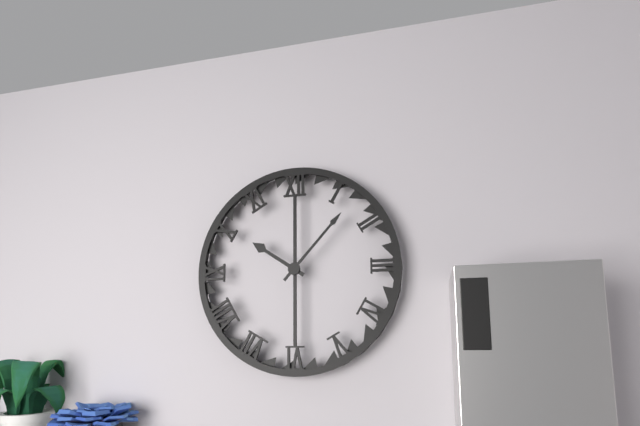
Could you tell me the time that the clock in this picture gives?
10:07
